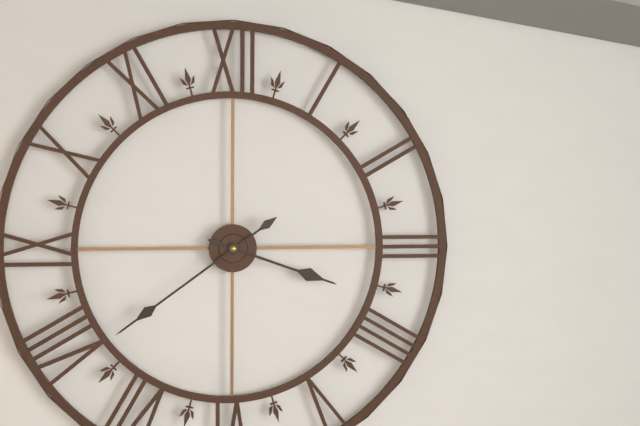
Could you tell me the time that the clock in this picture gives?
3:39
